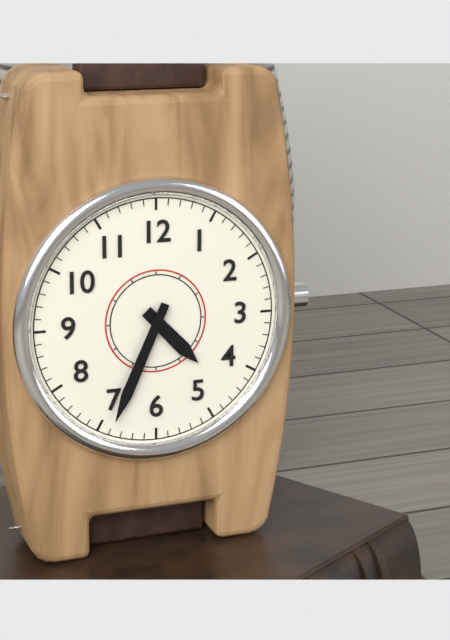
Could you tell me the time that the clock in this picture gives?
4:34
